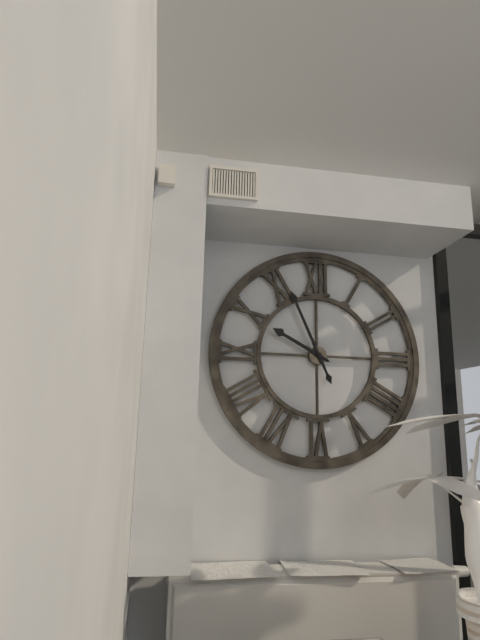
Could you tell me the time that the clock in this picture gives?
9:56
